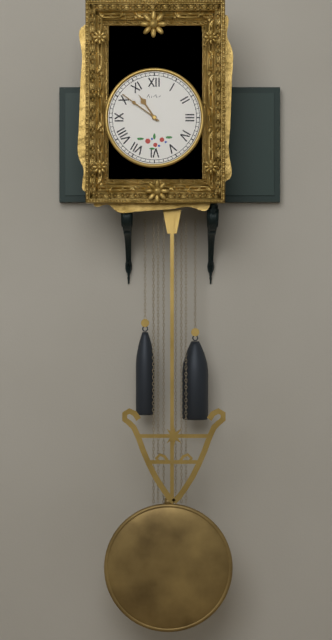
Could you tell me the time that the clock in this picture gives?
10:51
